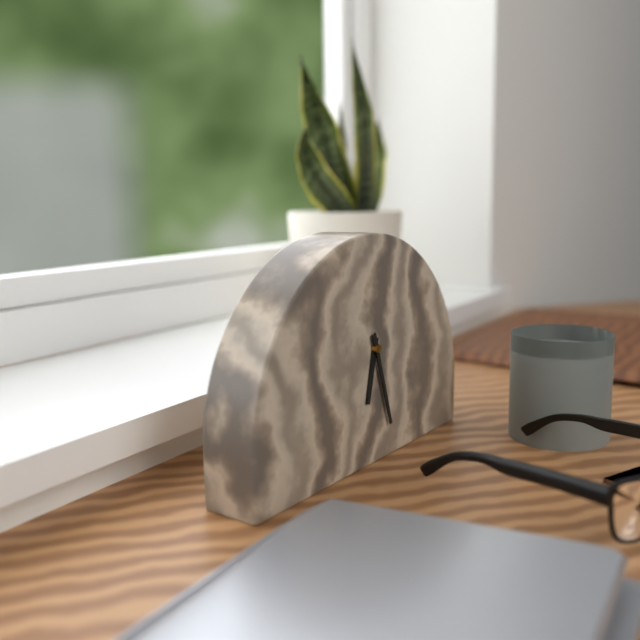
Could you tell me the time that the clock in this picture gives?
6:27
